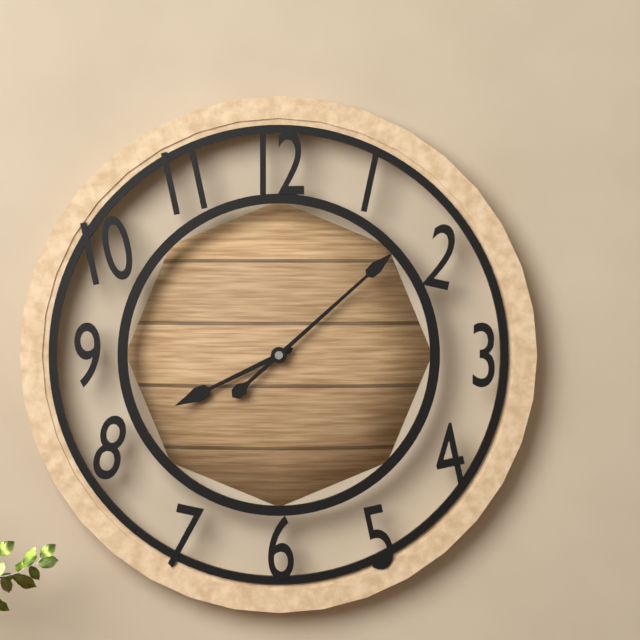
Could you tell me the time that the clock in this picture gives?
8:08
